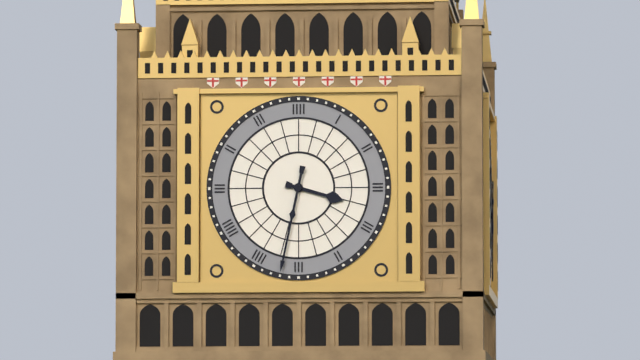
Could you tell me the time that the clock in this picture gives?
3:32
